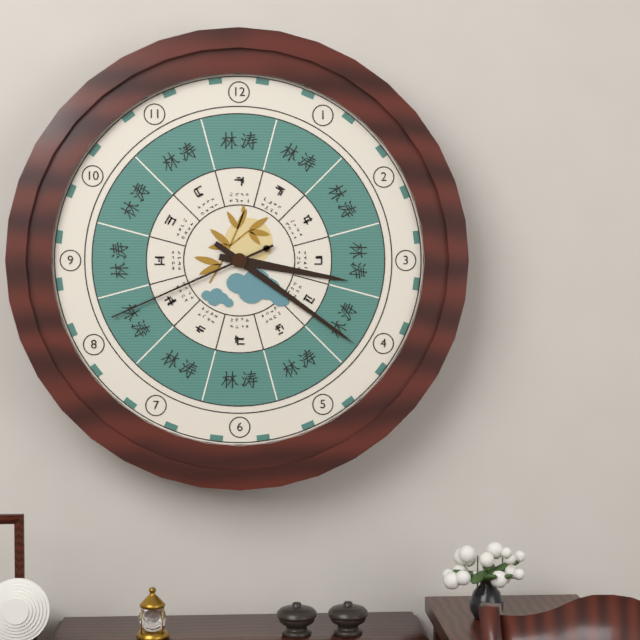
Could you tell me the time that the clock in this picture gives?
3:21:41
